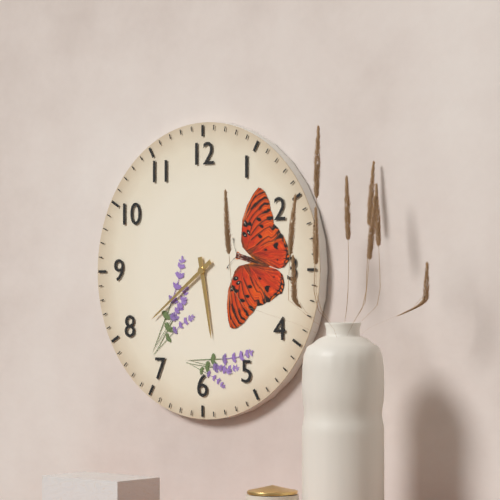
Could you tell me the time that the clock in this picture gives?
5:39
